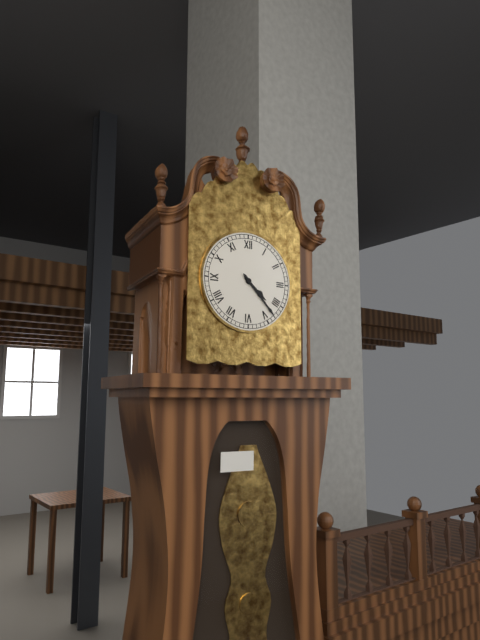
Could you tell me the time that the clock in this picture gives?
4:23
